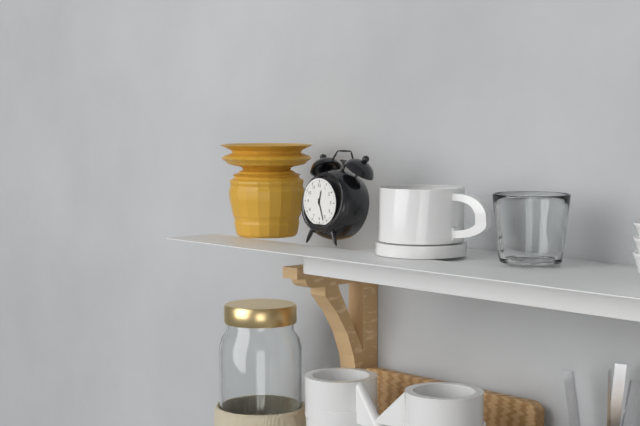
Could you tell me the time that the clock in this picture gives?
12:27
